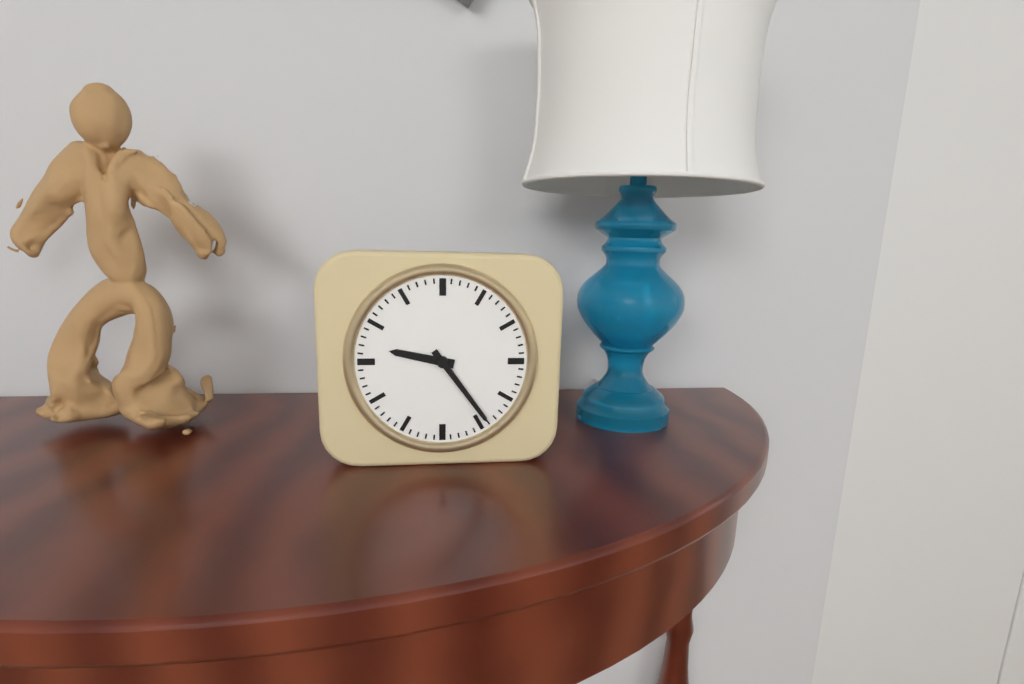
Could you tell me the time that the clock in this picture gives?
9:24
